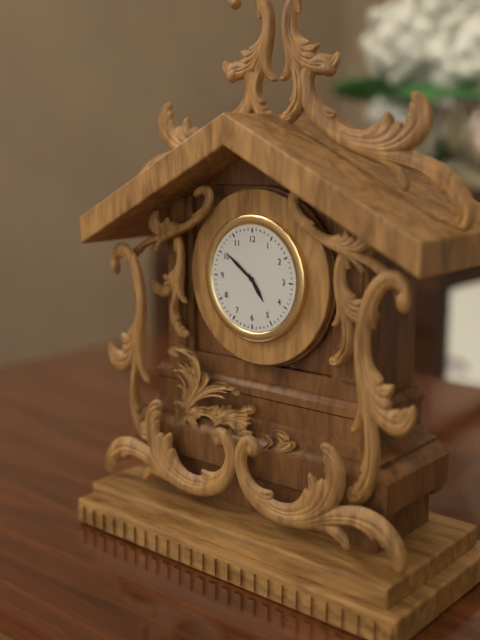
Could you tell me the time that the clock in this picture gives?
4:51
